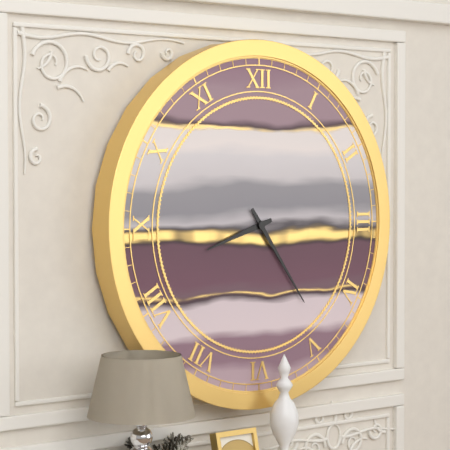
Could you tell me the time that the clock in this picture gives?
8:24
